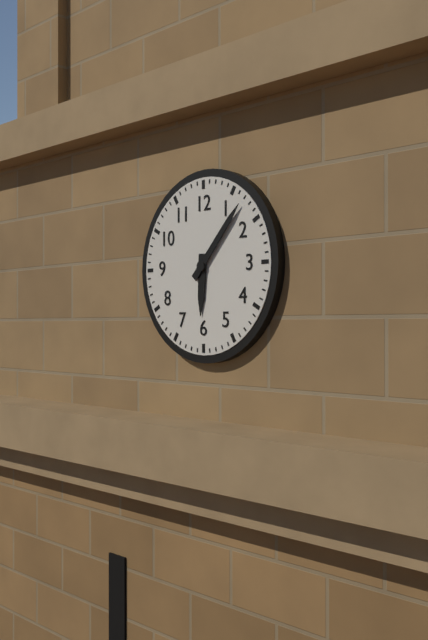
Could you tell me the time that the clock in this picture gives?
6:07
